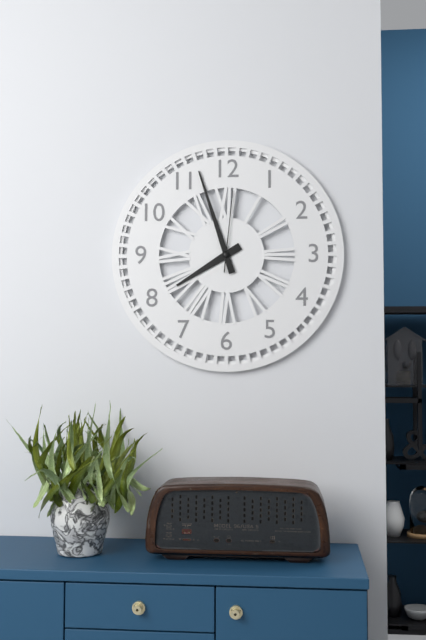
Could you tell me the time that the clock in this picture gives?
7:57:01
